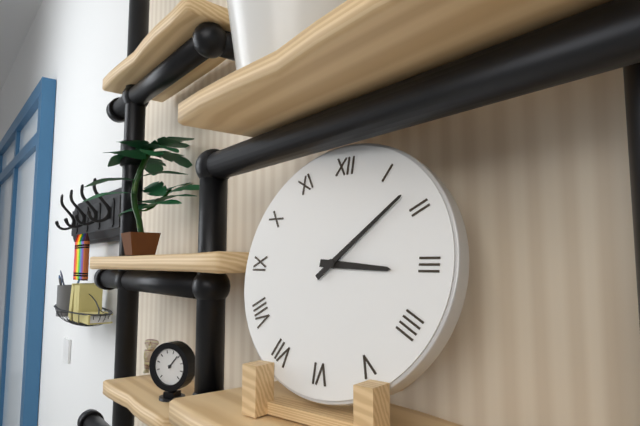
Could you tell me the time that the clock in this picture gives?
3:08
